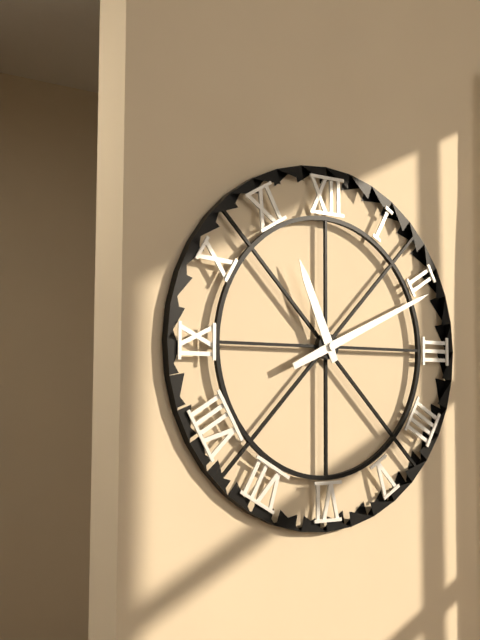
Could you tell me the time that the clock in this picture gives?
11:11
